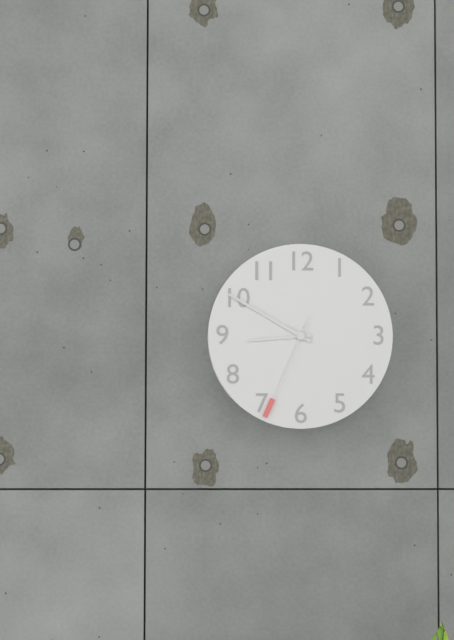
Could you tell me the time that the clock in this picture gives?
8:50:34
